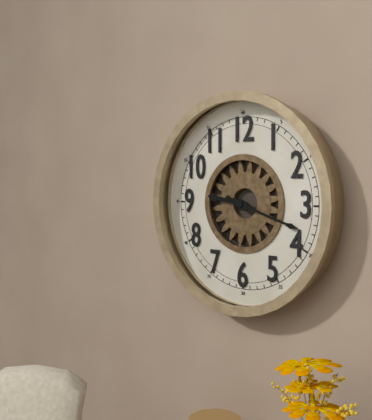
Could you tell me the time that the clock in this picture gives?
9:18
